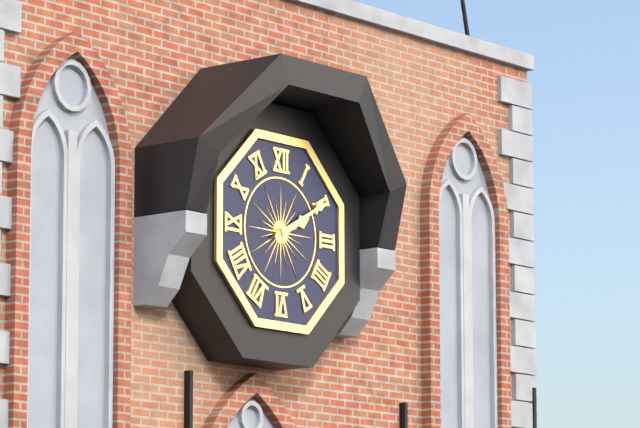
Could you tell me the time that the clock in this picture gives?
2:10
